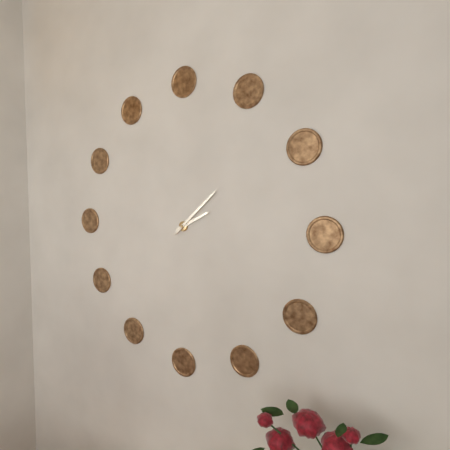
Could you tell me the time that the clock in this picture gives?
2:08
